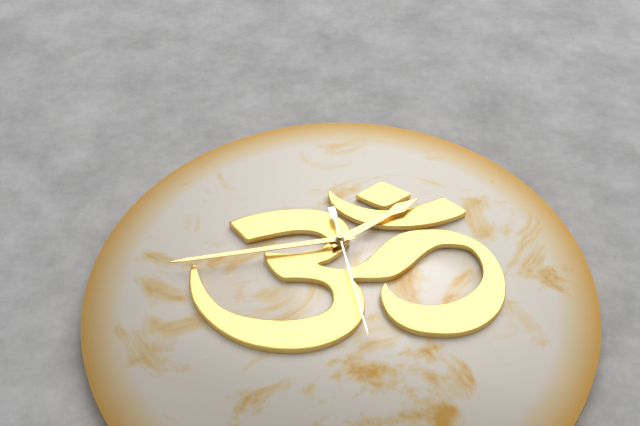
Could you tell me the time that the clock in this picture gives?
1:43:28
